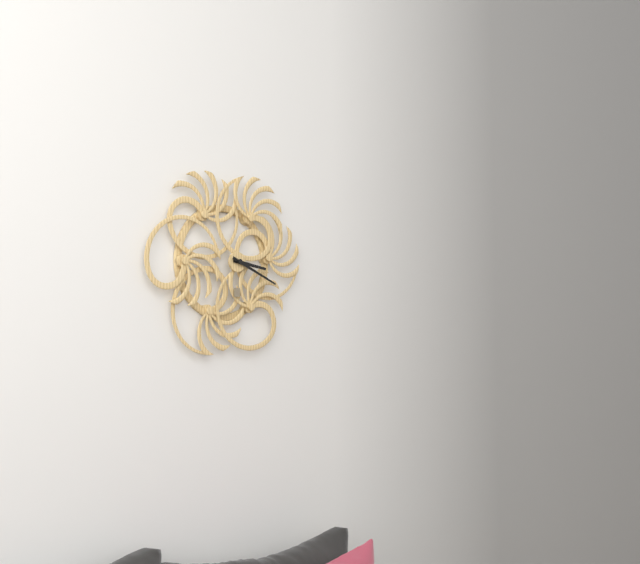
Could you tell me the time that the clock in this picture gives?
3:19
